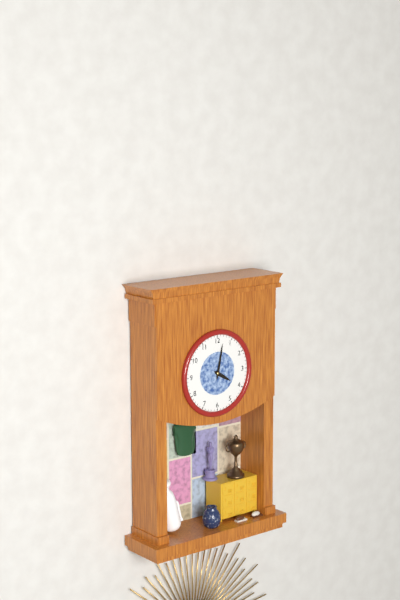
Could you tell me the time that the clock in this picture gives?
4:02
